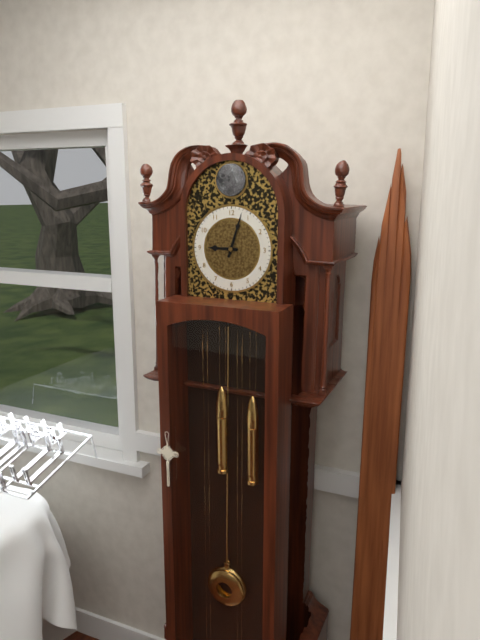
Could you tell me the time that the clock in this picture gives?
9:03
